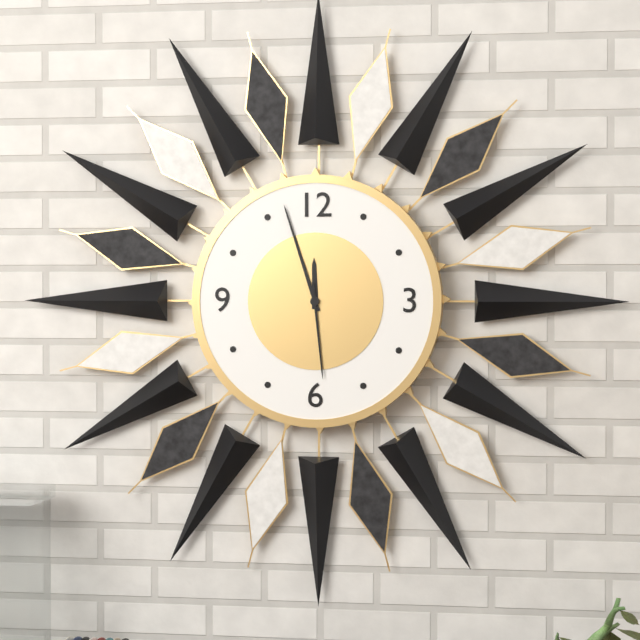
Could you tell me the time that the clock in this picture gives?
11:57:29
